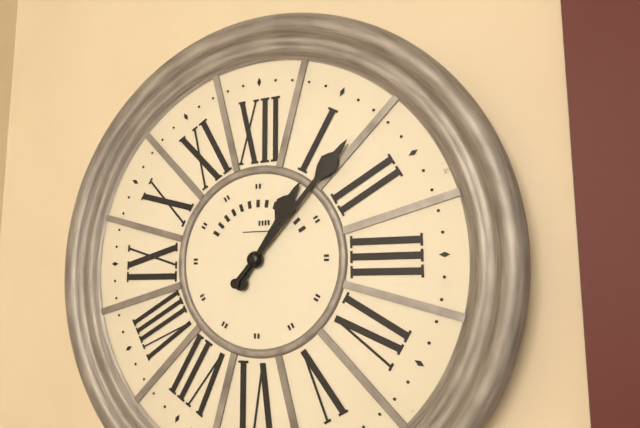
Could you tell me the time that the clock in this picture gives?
1:07
